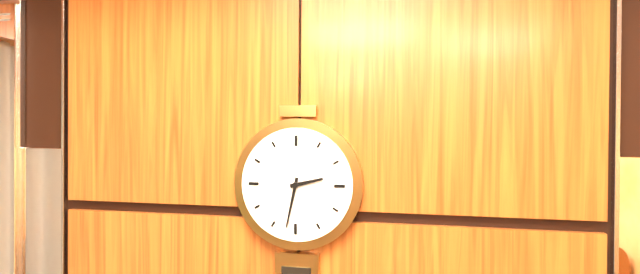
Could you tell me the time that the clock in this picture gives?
2:32
